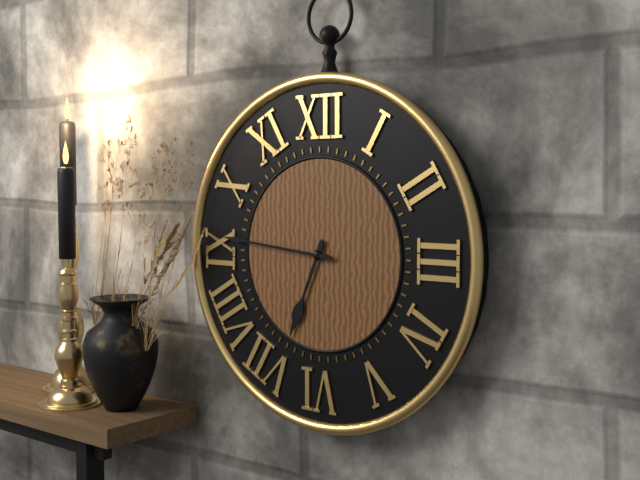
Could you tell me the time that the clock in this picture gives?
6:46
